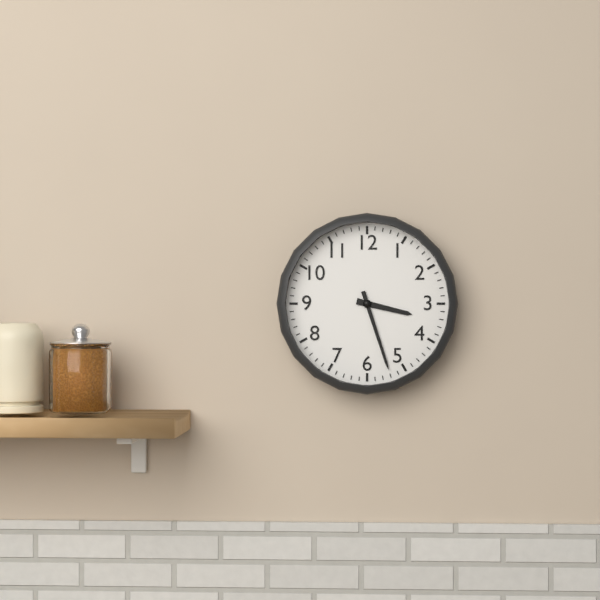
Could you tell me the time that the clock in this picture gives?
3:27
